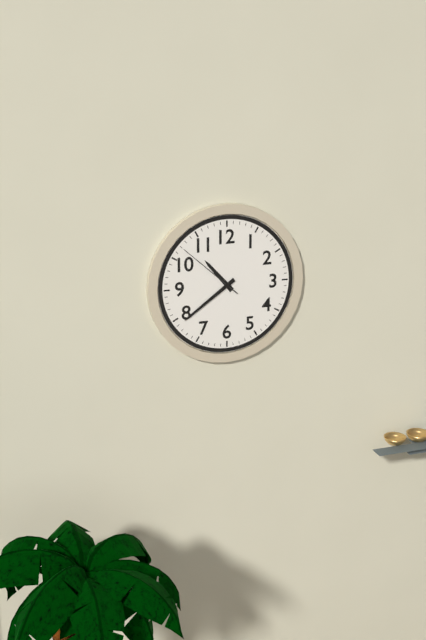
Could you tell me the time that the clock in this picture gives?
10:39:52
